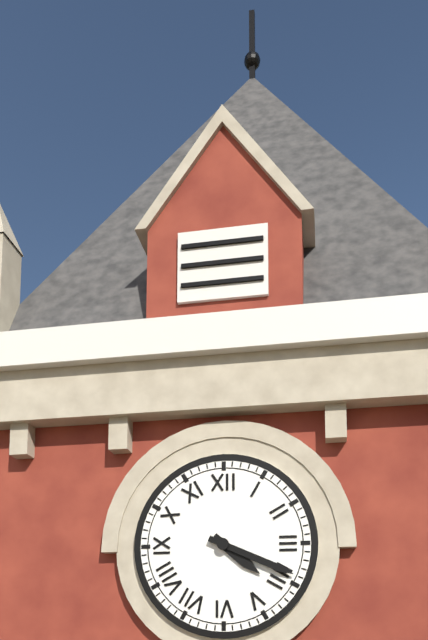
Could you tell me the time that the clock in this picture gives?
4:19
